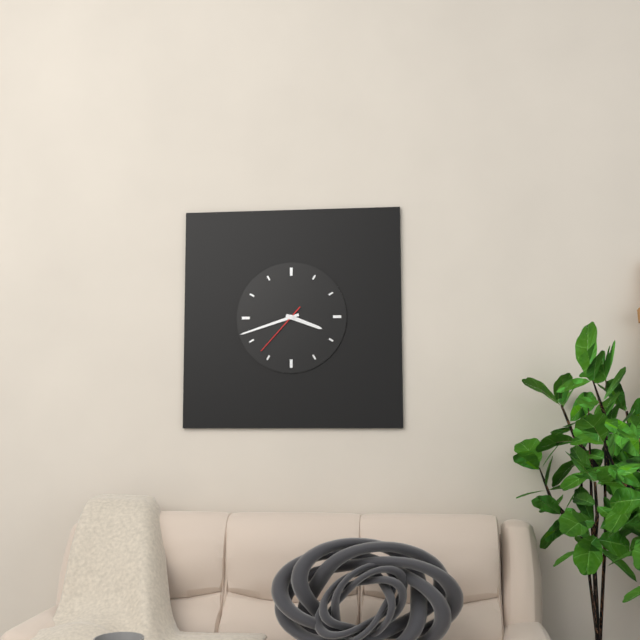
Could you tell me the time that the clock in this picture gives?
3:42:37
